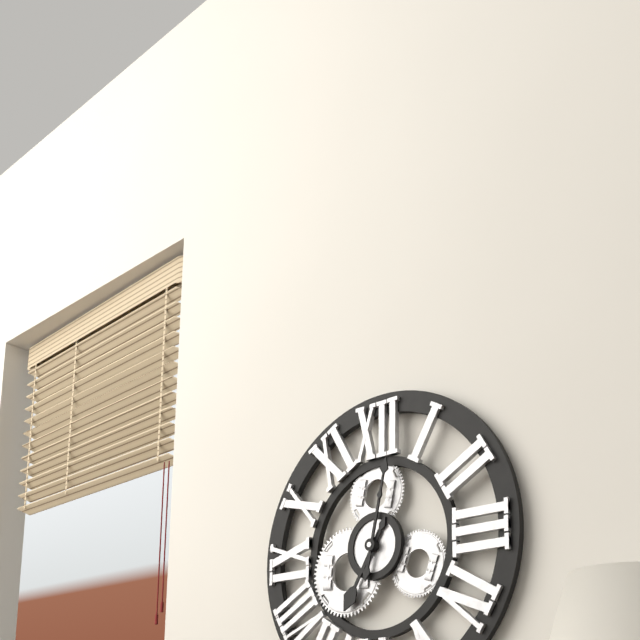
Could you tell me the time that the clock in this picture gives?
7:02
